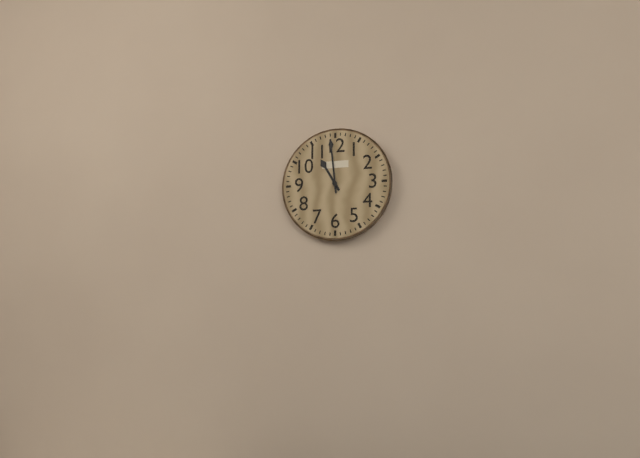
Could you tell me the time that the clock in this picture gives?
10:59
